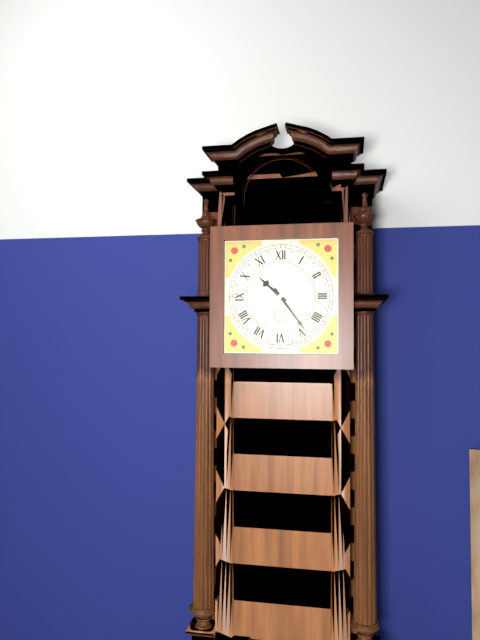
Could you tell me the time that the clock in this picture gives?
10:24
